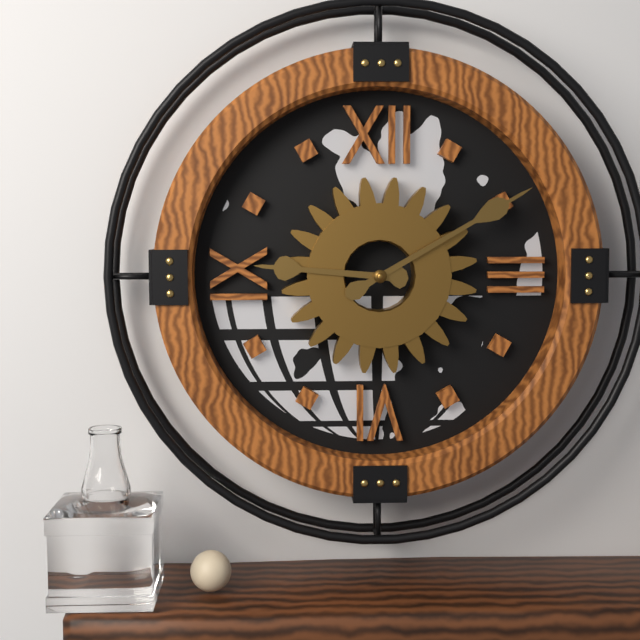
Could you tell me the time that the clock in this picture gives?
9:10
